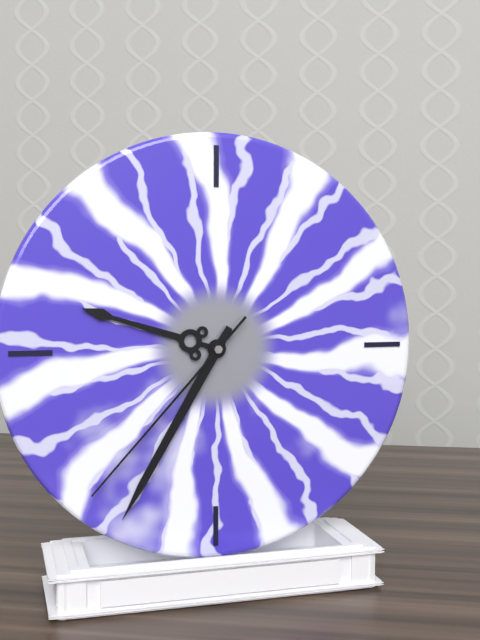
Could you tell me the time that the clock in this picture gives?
9:35:37
